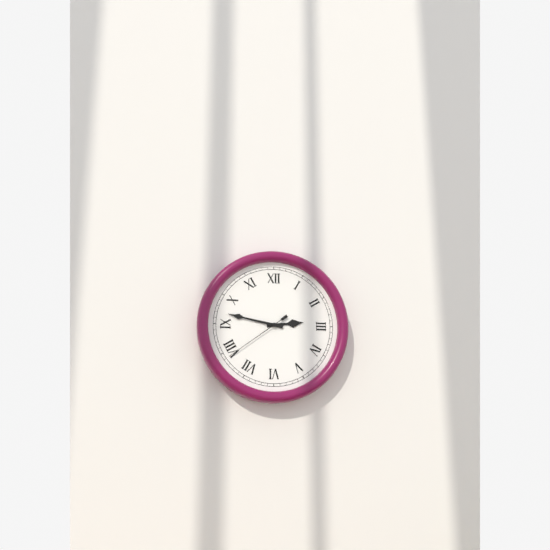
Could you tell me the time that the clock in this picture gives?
2:47:39
